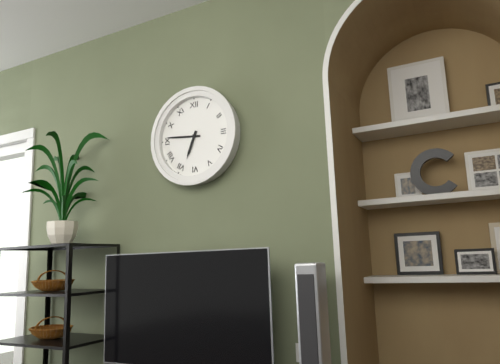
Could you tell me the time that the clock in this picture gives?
6:46
